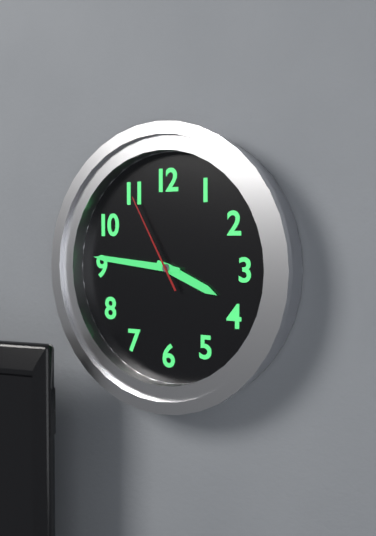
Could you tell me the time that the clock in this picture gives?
3:46:55
